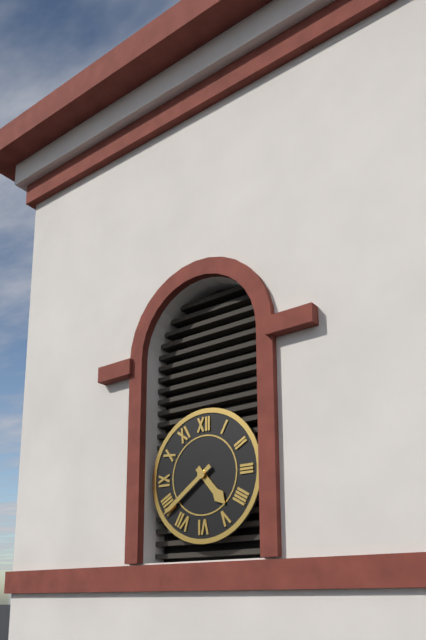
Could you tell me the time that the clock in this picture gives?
4:39
